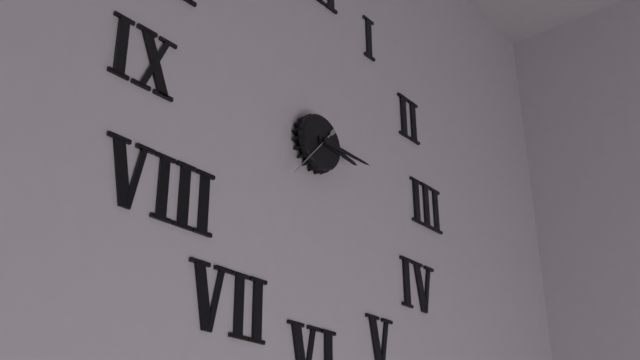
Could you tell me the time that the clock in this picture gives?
3:15
